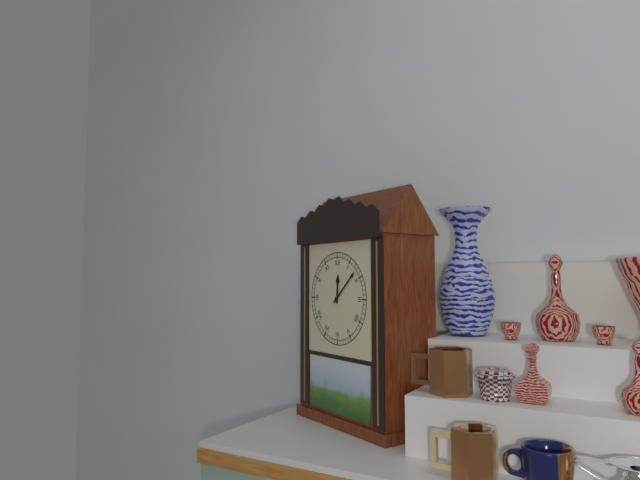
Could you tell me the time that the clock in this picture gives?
12:08
